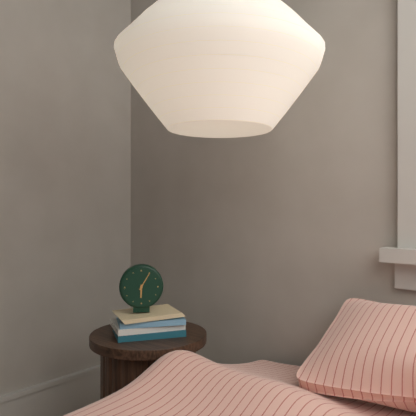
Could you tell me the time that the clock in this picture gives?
6:05
